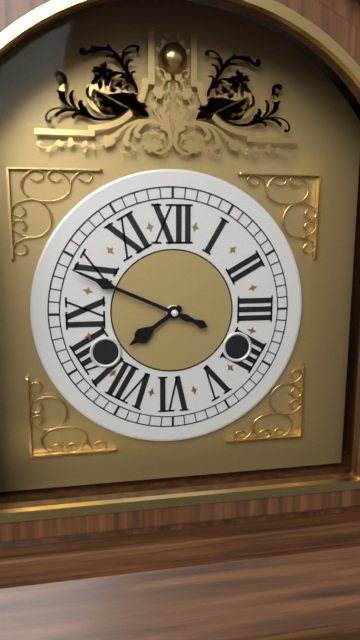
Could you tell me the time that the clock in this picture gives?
7:49
